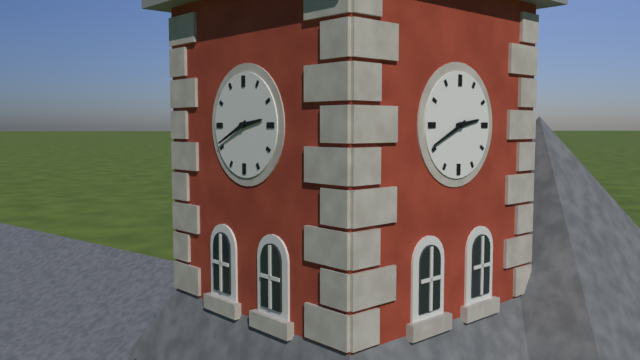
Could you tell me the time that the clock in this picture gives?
2:41
